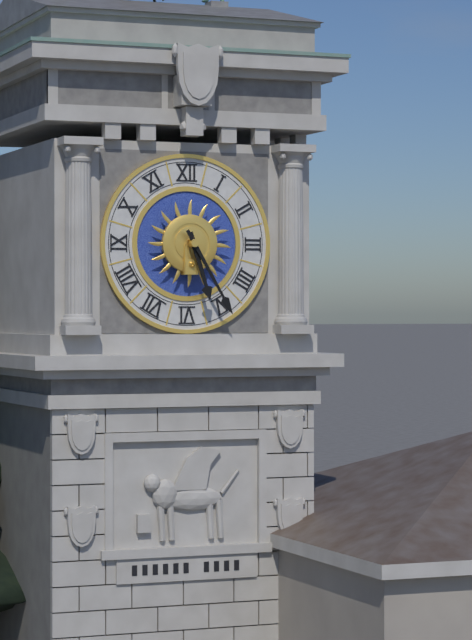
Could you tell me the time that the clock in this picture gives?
5:25
